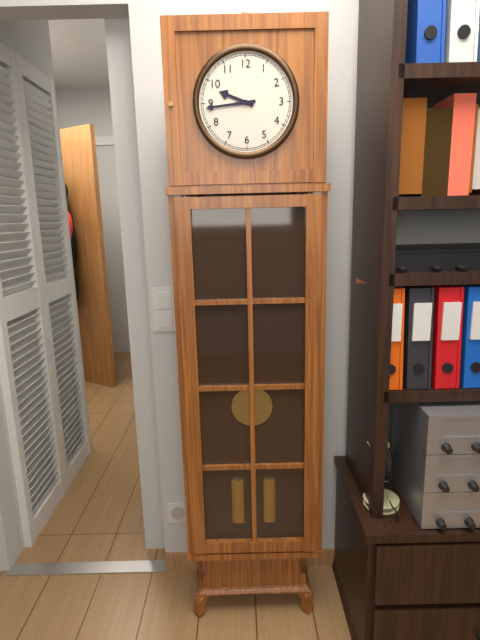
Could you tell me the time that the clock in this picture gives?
9:44
